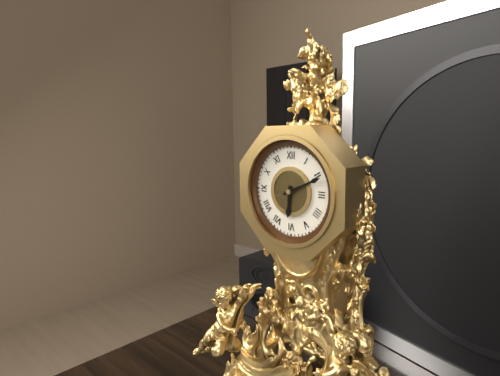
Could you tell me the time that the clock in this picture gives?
6:11
